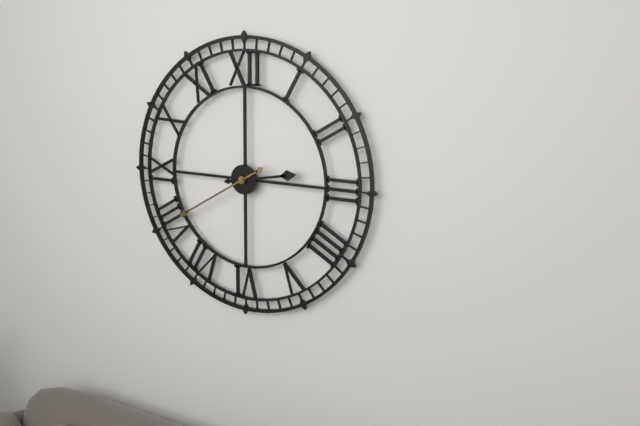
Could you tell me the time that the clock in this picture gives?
2:40
